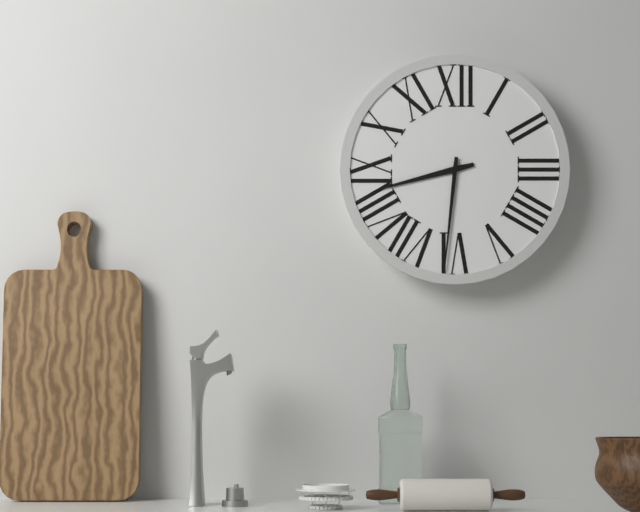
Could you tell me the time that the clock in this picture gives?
8:31
